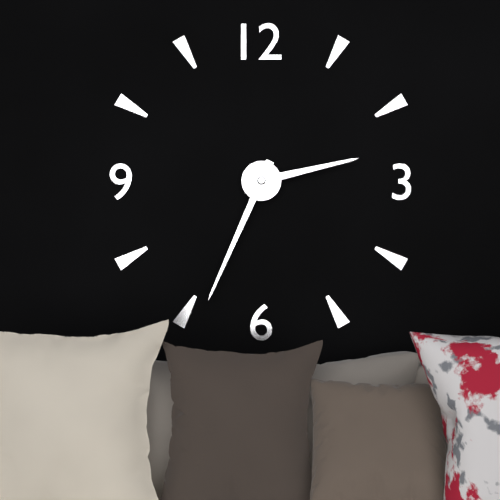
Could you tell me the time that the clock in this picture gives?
2:34
